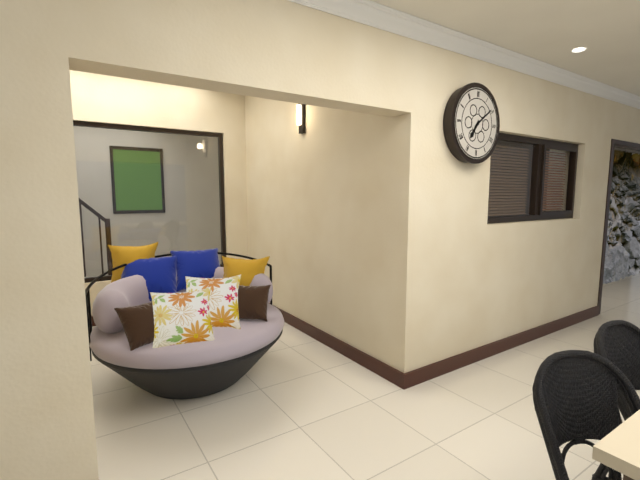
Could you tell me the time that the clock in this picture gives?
7:09
